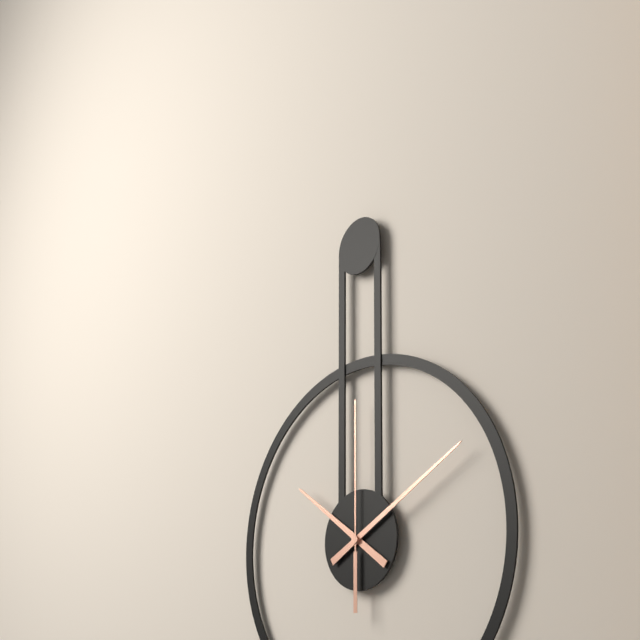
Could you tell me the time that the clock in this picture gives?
10:10:00
